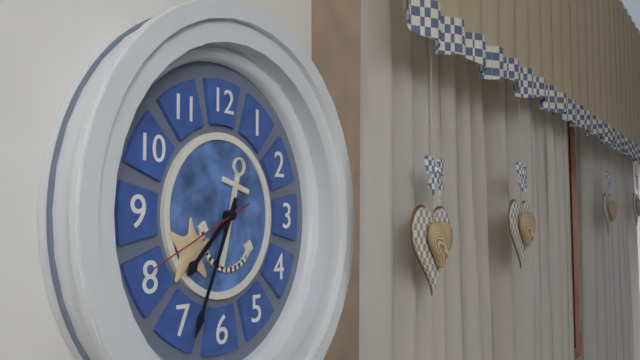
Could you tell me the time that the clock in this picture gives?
7:34:41
